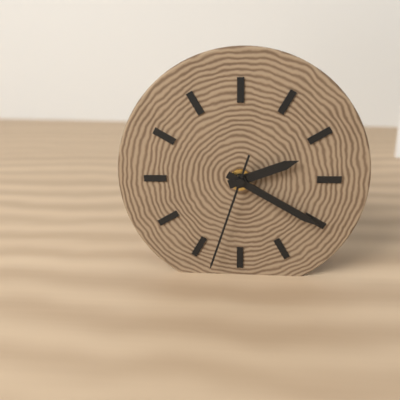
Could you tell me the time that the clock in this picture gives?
2:20:33
